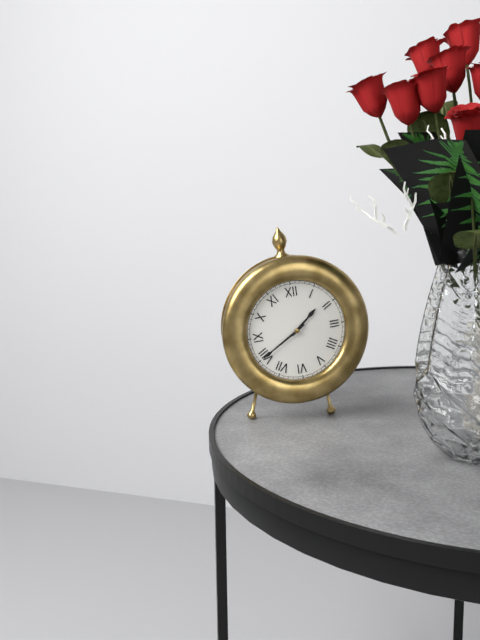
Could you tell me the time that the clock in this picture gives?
1:40
